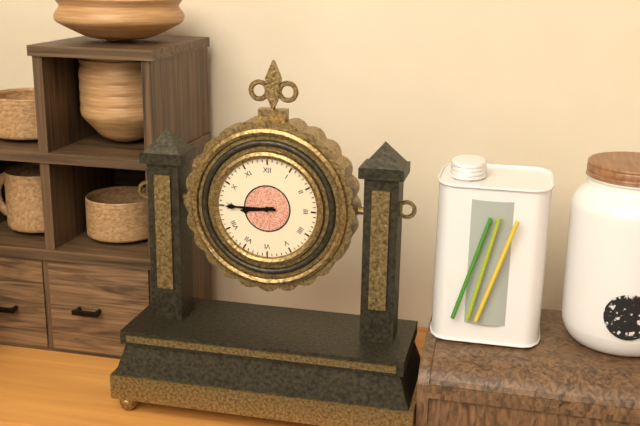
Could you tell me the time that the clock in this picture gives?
8:45
